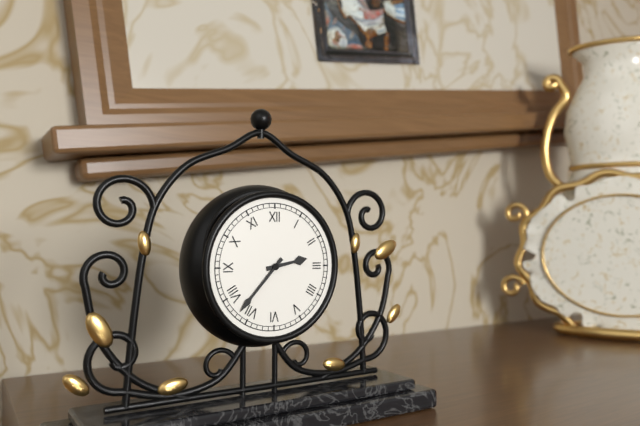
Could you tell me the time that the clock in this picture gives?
2:37
